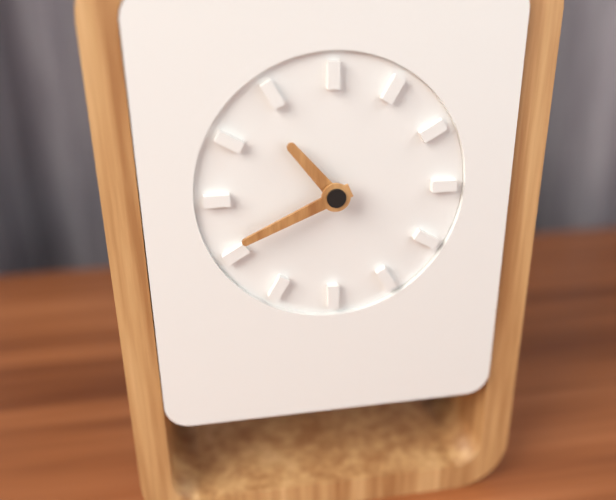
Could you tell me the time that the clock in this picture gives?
10:41
